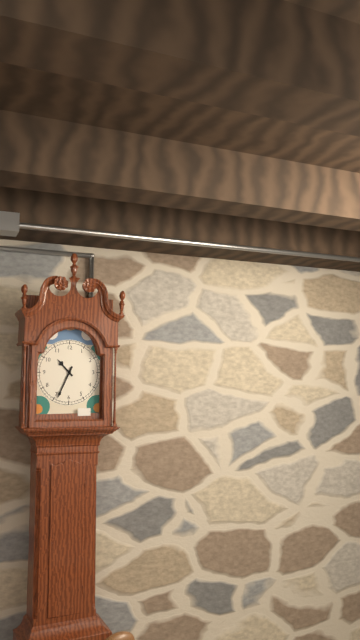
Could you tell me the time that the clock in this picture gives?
10:34
